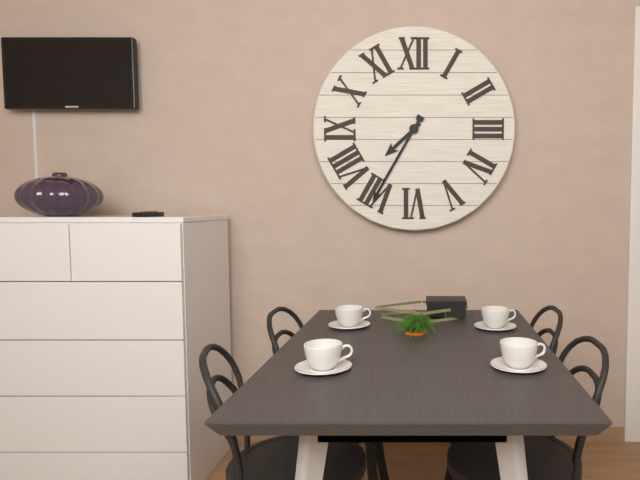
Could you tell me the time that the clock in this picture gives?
7:35
